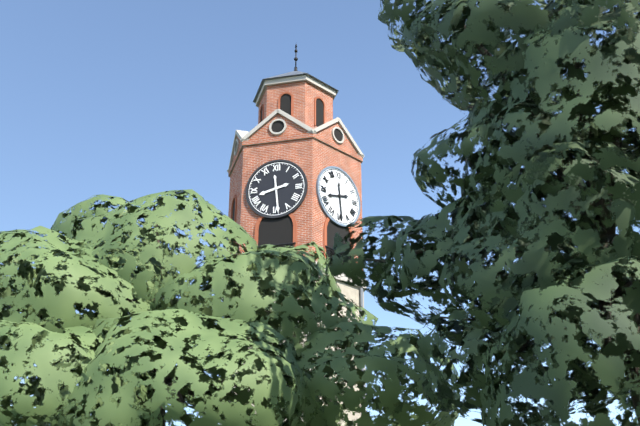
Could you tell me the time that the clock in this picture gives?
8:29
